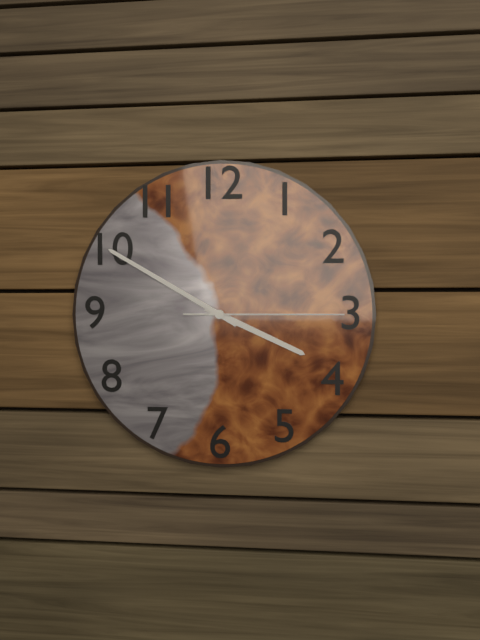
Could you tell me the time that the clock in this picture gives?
3:50:15
